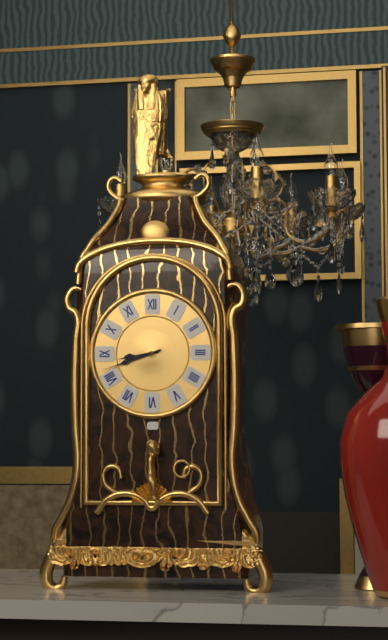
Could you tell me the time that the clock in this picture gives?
8:42
